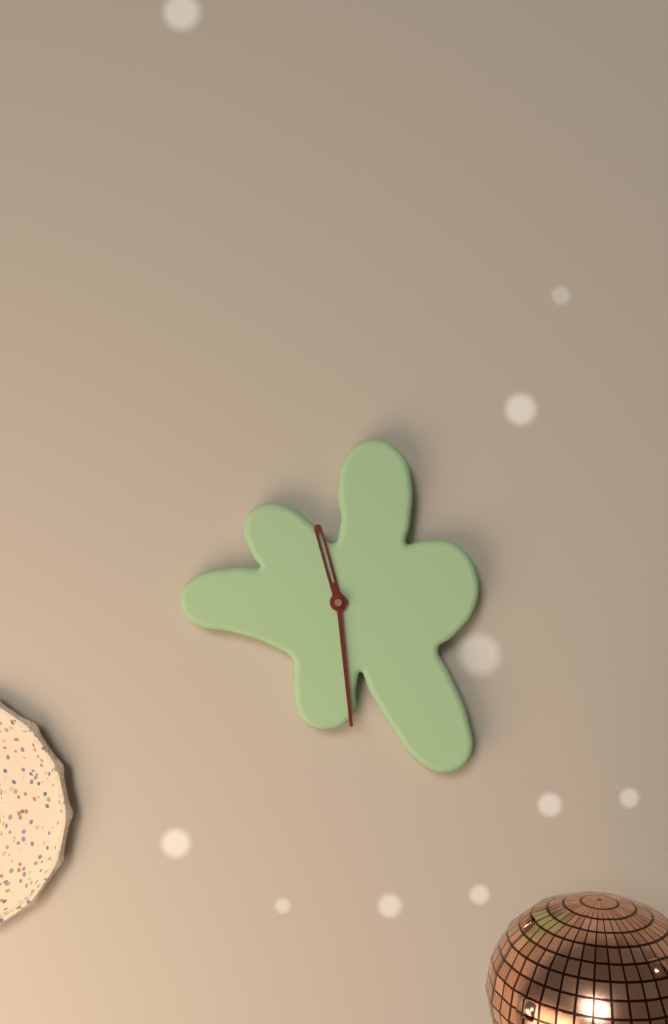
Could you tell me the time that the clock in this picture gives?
11:29
